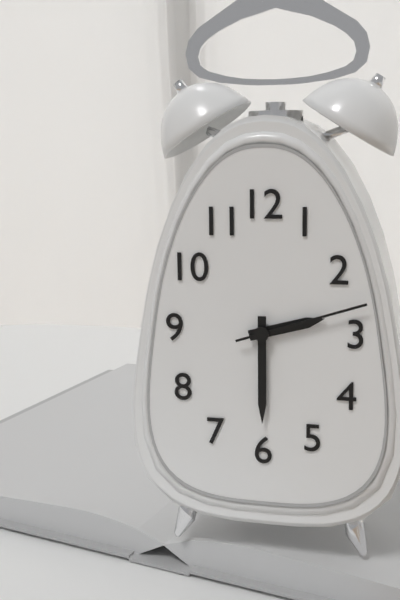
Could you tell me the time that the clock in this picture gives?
2:30:12
